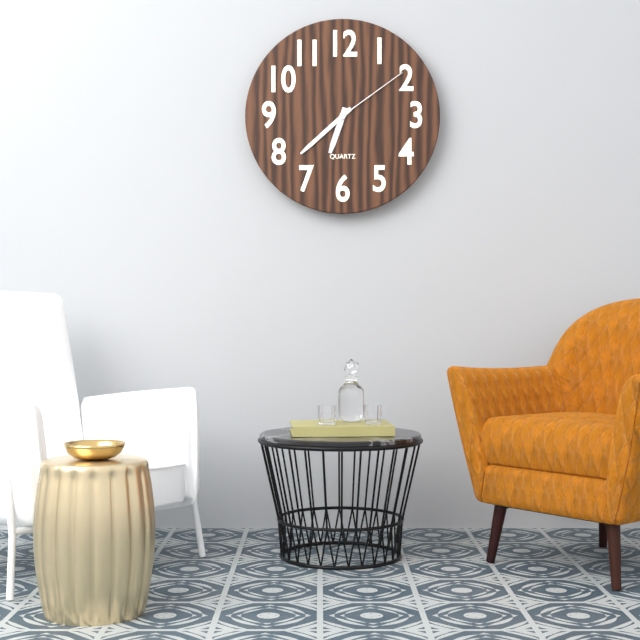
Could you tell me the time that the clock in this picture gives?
6:38:09
